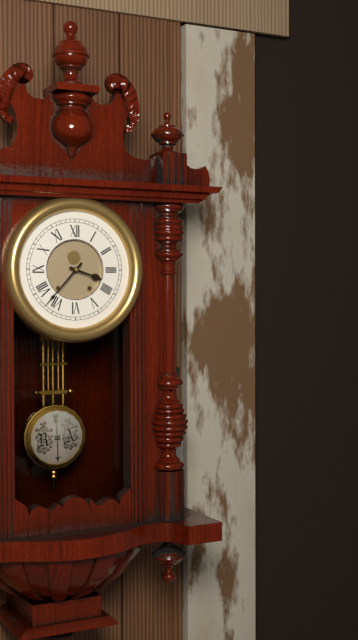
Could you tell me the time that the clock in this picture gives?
3:37
